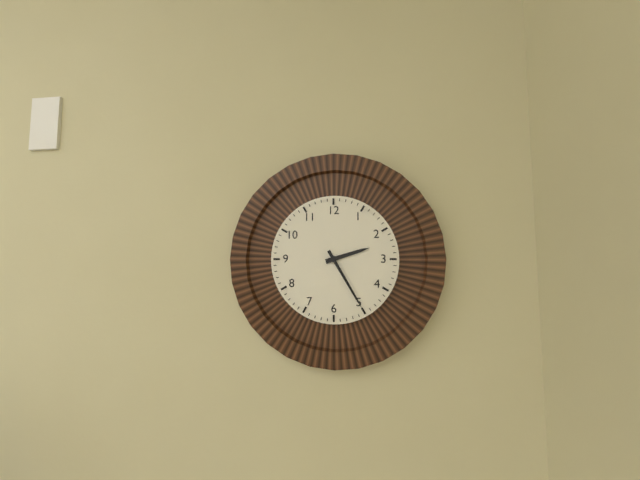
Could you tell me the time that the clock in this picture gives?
2:25
